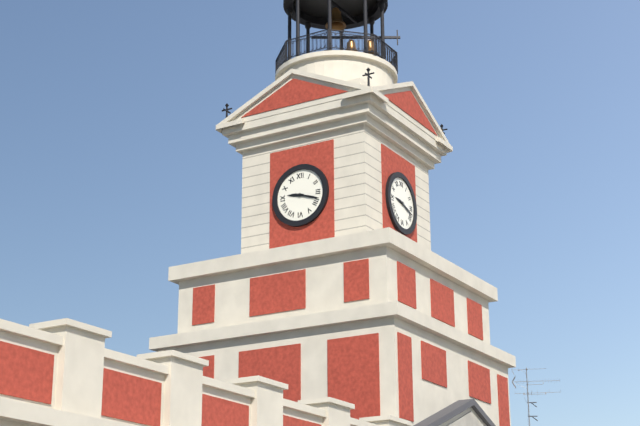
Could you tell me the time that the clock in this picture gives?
9:18
